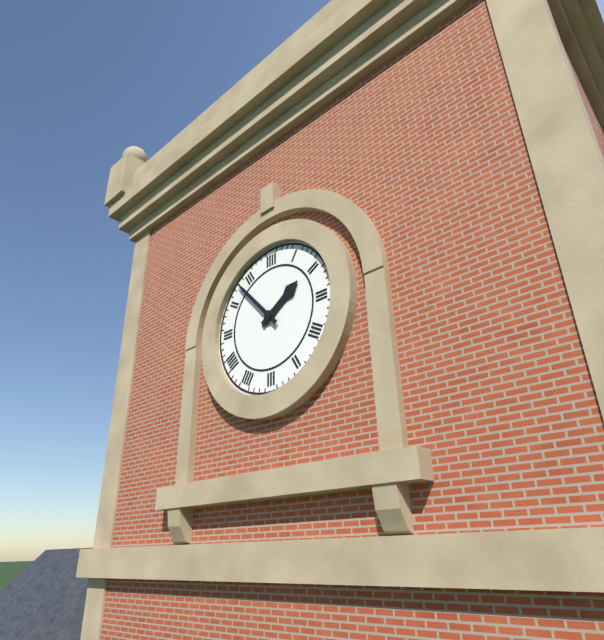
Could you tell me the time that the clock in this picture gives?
1:53
